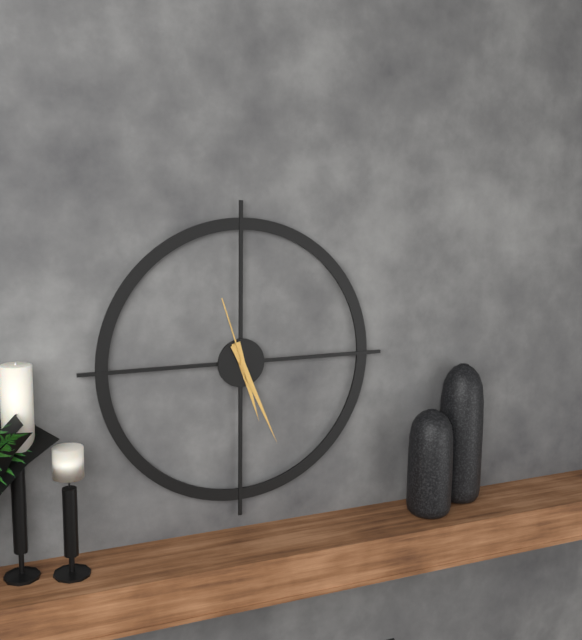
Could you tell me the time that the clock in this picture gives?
5:26:57
